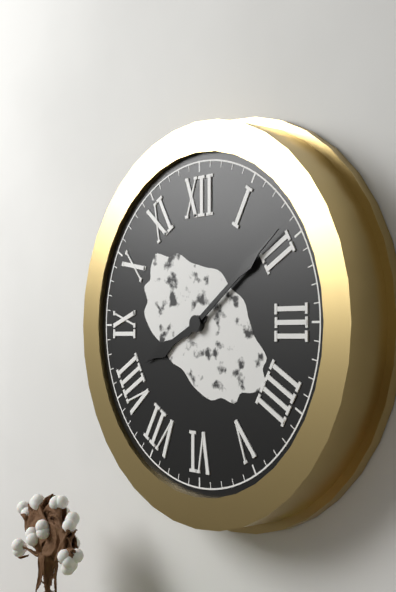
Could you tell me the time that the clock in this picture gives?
8:09
